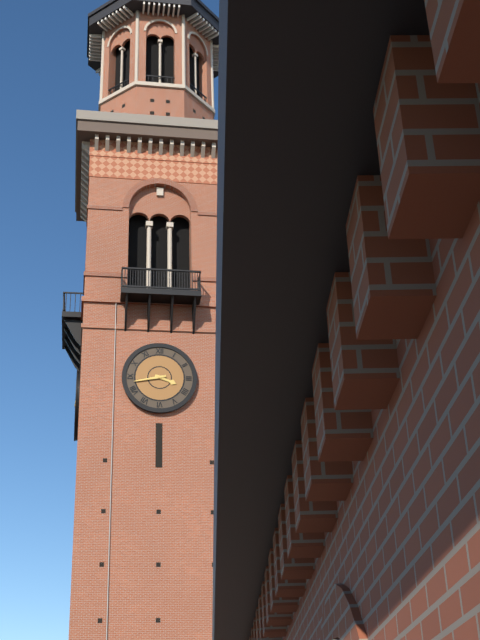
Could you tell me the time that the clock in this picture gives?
3:43
